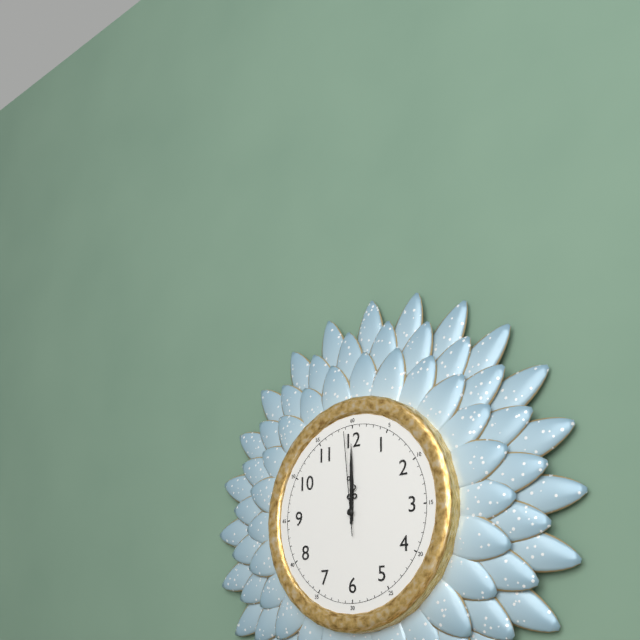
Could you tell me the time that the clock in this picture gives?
12:00:59
